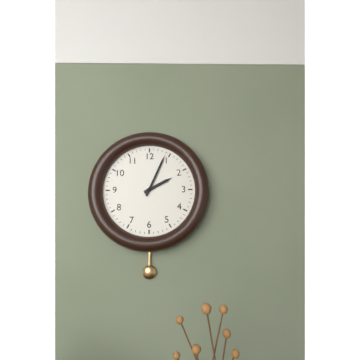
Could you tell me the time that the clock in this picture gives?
2:04
